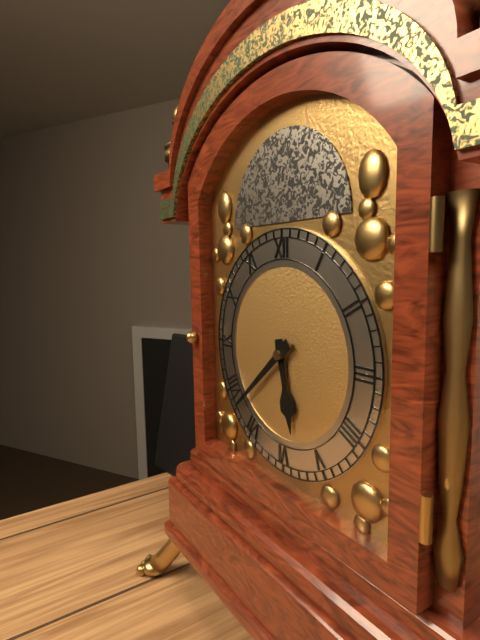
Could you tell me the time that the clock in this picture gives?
5:38
